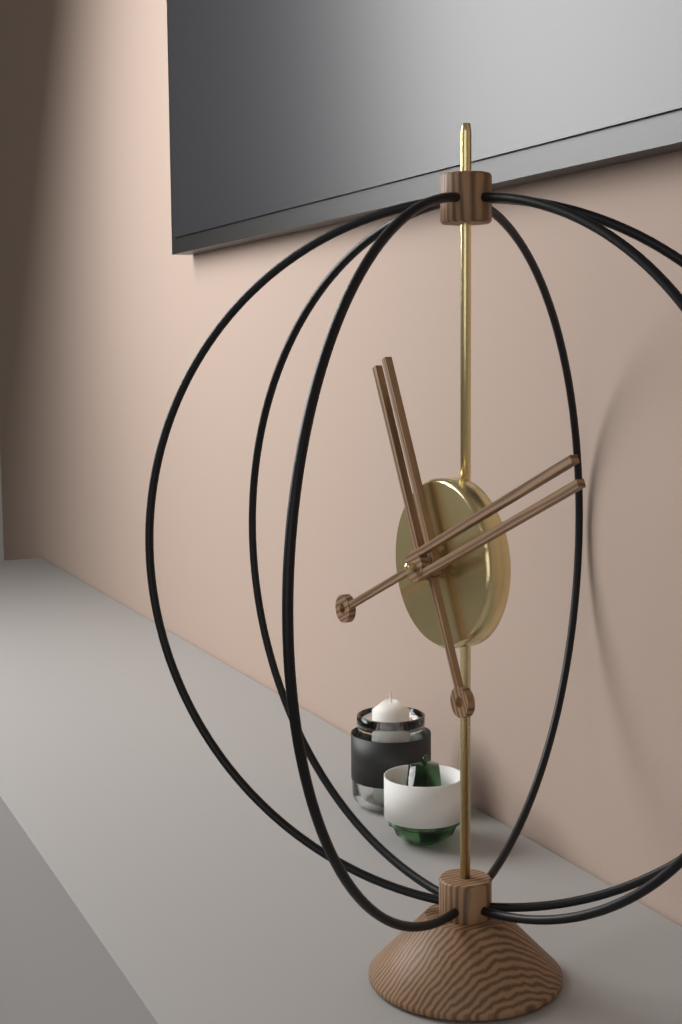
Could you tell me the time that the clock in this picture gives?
11:11
